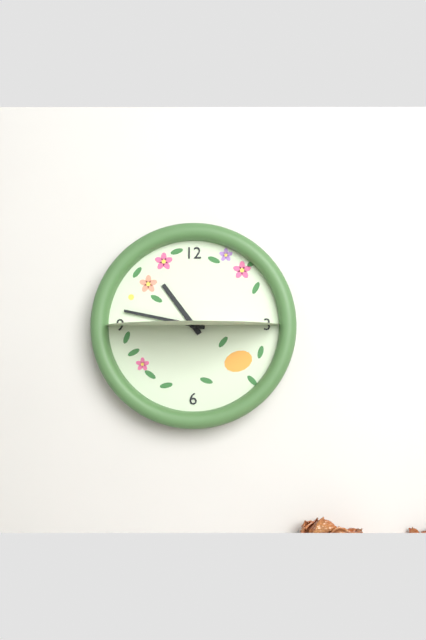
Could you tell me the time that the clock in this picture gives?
10:47
